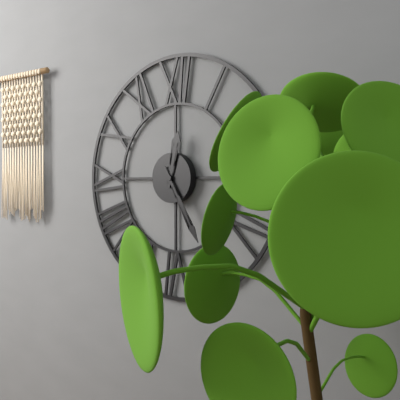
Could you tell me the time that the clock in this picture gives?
12:25
